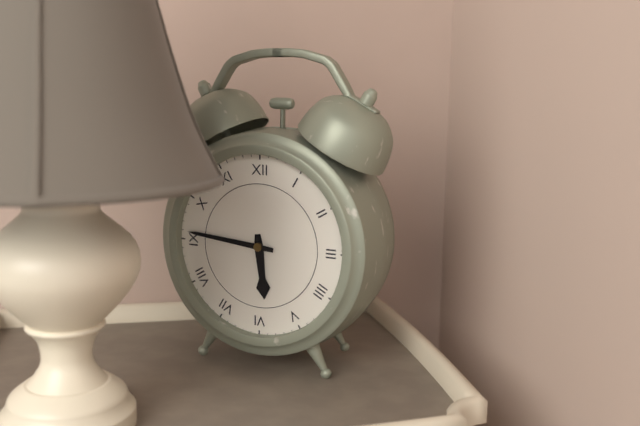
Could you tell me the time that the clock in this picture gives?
5:46
